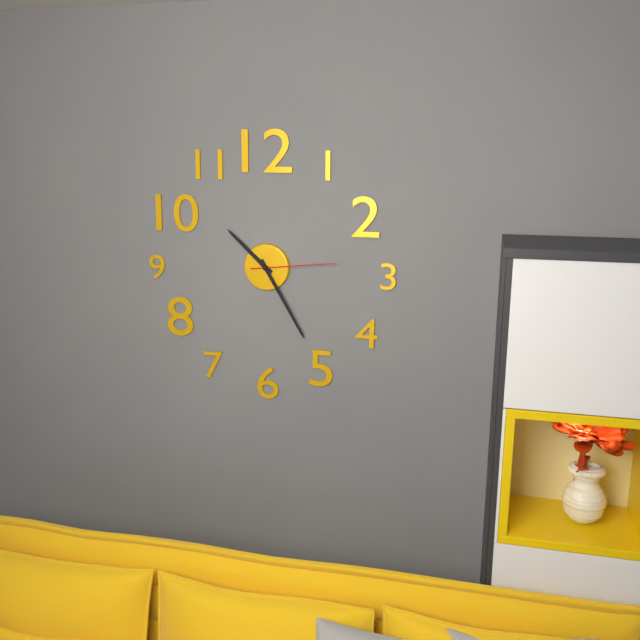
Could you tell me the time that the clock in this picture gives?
10:25:14
